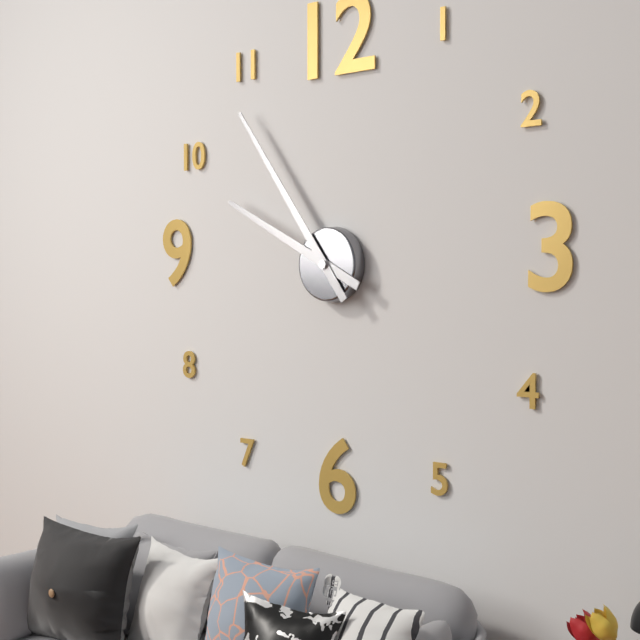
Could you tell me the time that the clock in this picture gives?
9:54
